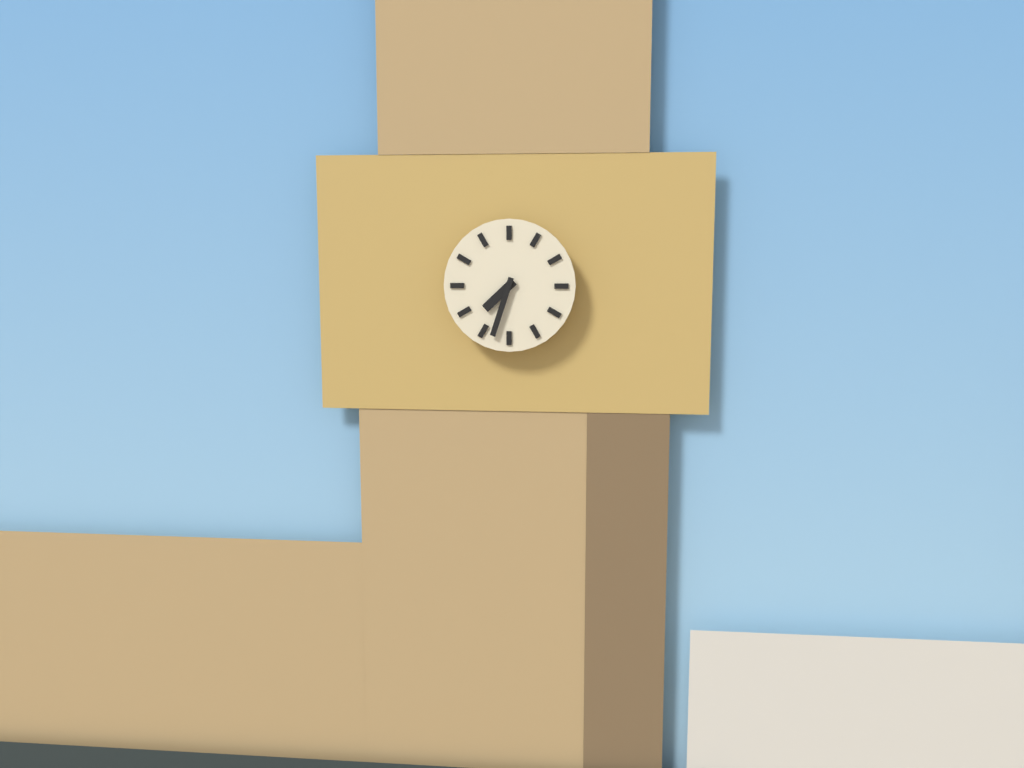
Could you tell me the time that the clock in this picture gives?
7:33
